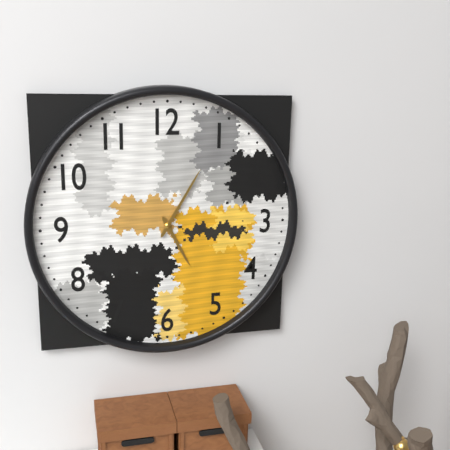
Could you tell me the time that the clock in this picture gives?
5:05
